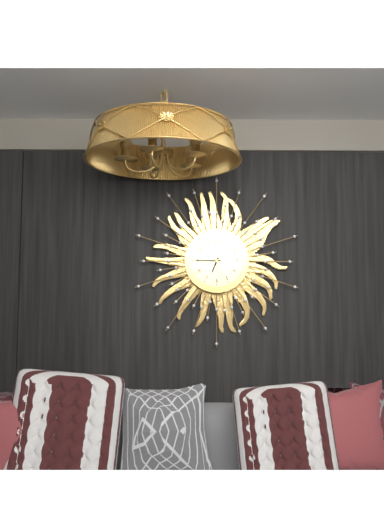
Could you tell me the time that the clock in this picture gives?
6:45
